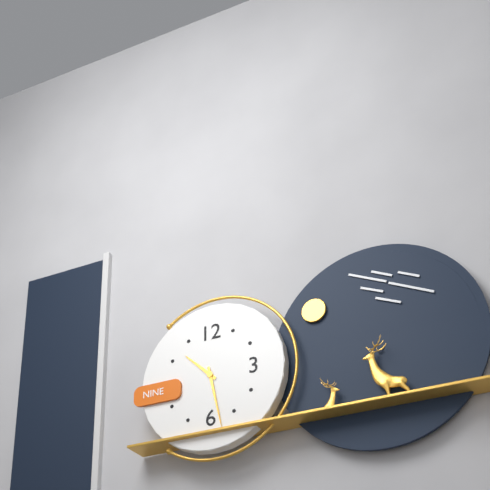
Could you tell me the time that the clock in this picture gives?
10:28
